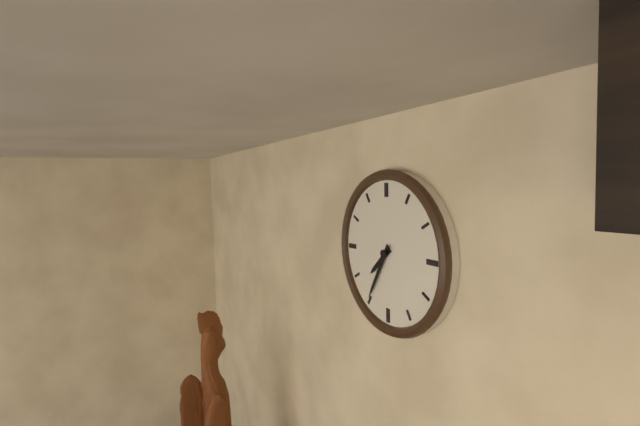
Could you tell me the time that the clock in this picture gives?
7:35
